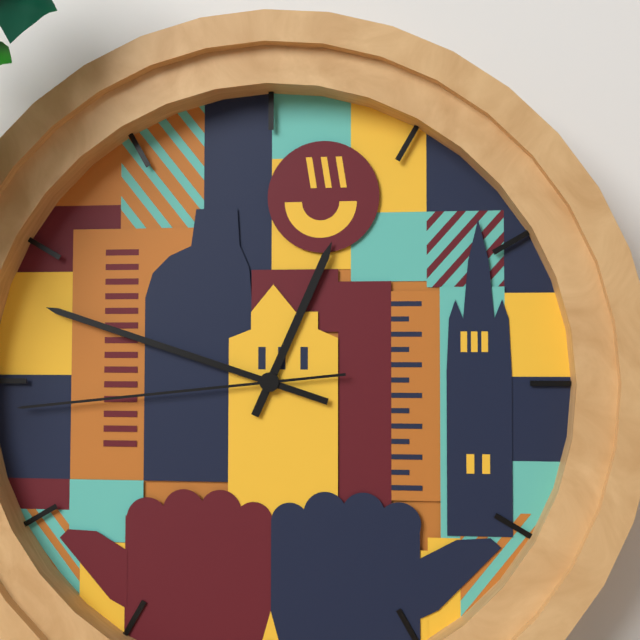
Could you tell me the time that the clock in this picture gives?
12:48:44
